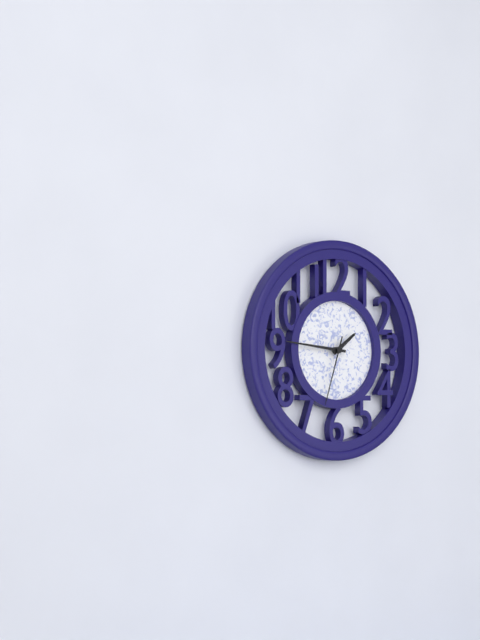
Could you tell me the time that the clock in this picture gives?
1:46:33
